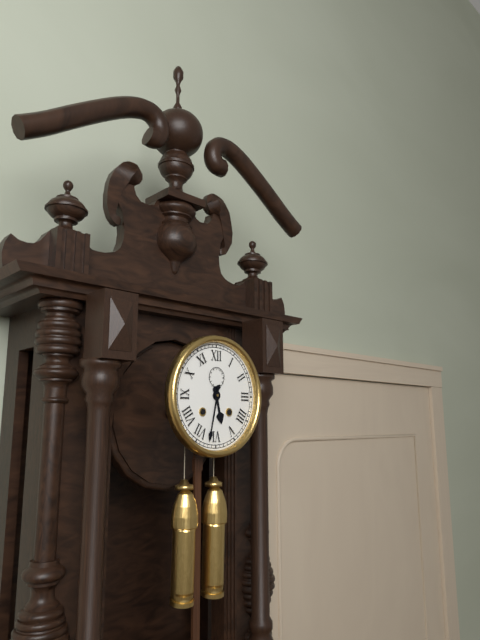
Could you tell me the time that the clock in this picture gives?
5:32
